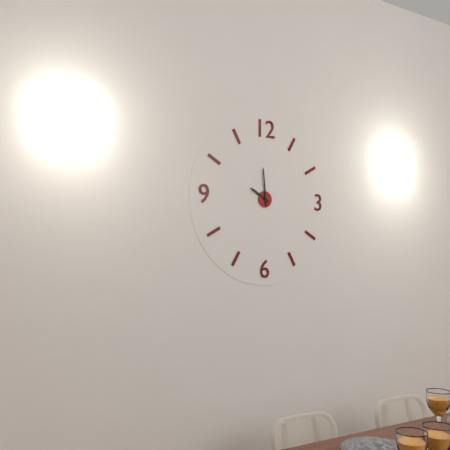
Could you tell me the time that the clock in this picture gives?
9:59
